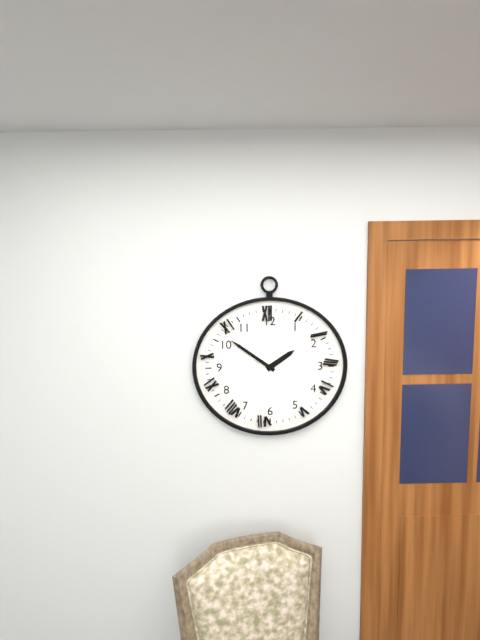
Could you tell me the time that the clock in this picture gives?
1:51
